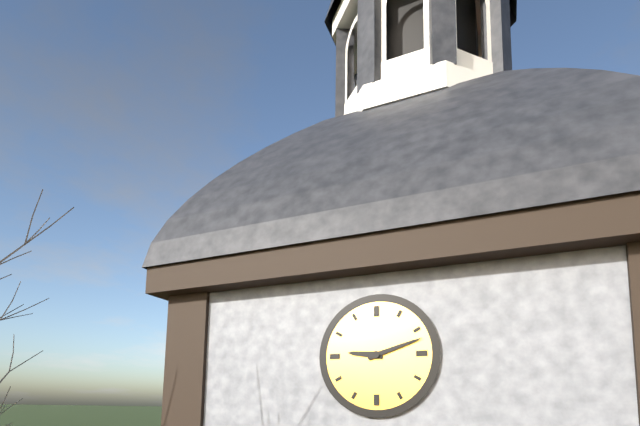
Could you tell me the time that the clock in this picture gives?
9:12
